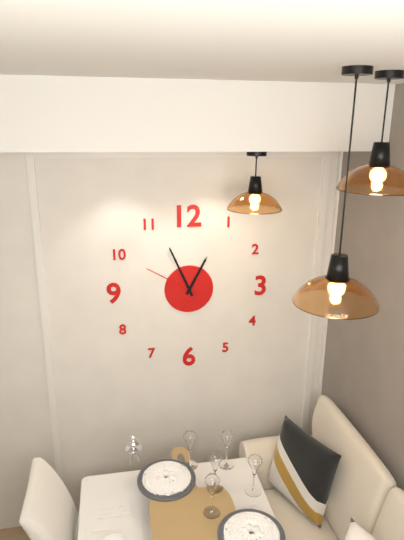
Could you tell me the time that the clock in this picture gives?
12:56:50
